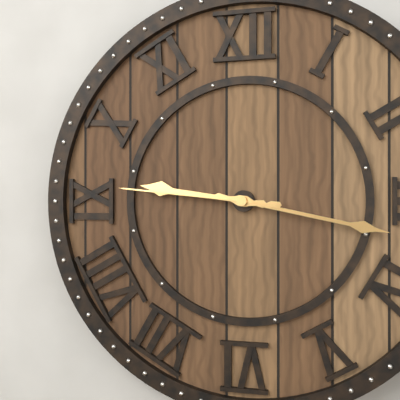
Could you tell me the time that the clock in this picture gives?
9:17:46
